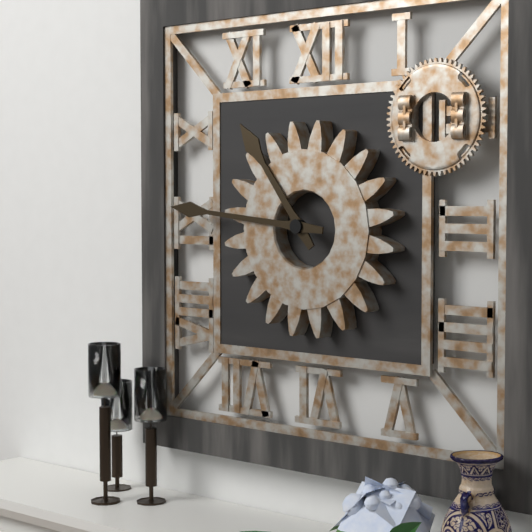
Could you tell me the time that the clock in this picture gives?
10:46
